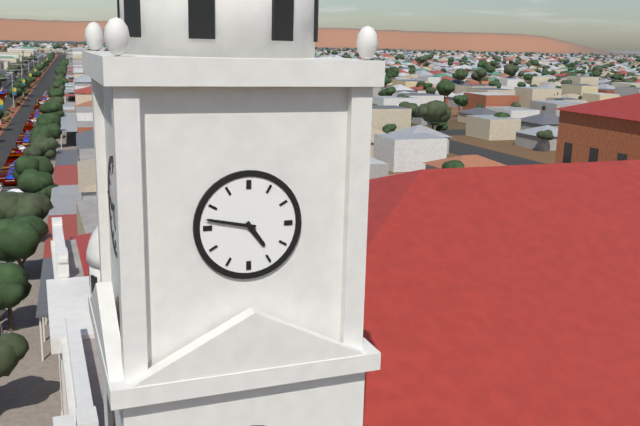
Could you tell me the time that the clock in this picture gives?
4:47
